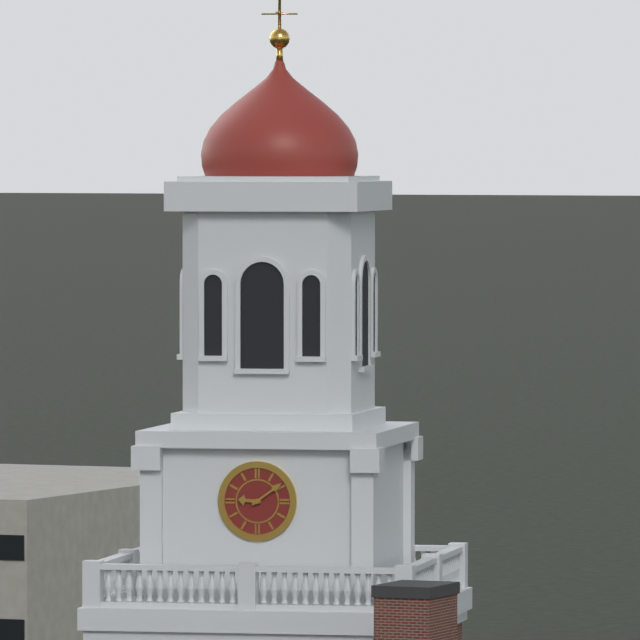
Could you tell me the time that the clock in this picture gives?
9:09
